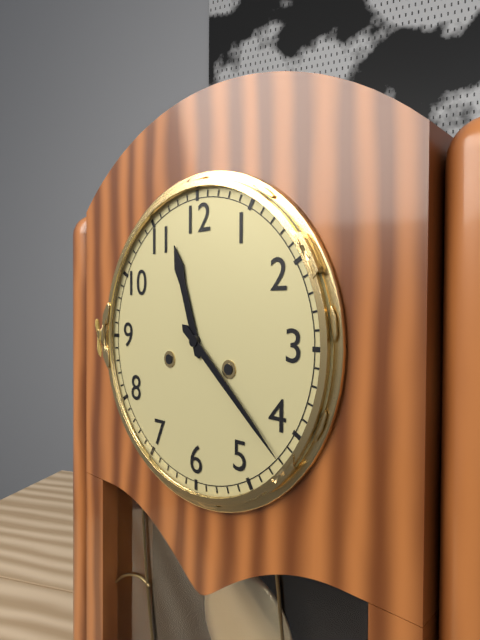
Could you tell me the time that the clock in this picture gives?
11:22
